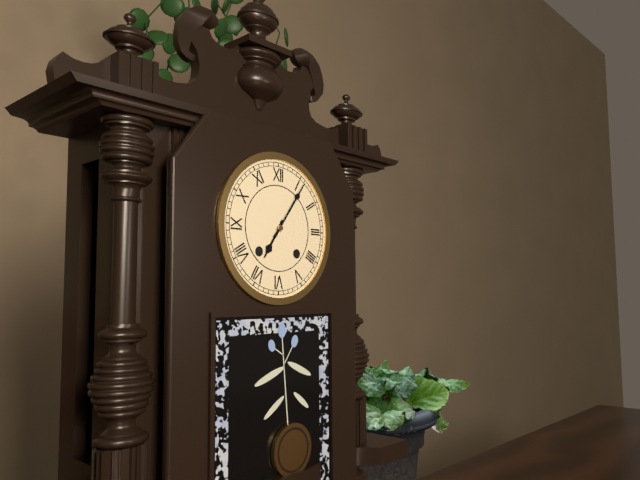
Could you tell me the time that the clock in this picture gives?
7:06
